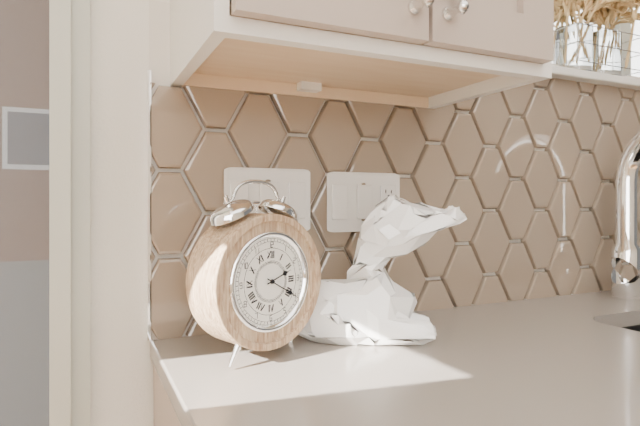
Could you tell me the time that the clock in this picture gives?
2:20
